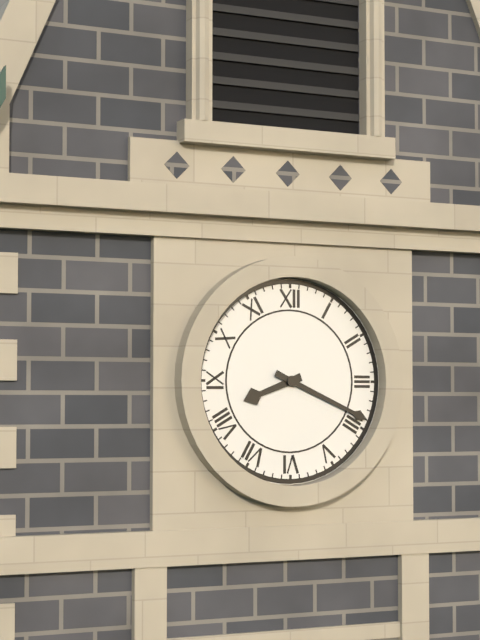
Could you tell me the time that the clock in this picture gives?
8:19
